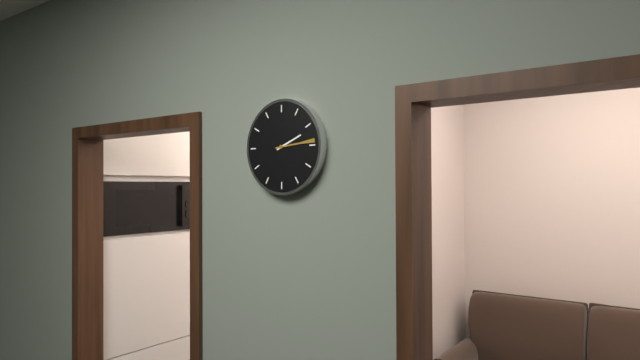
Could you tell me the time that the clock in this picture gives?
2:14
